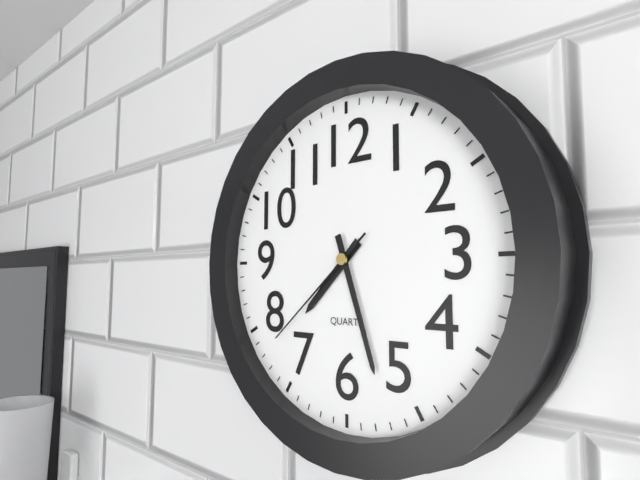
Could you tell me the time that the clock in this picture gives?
7:27:38
